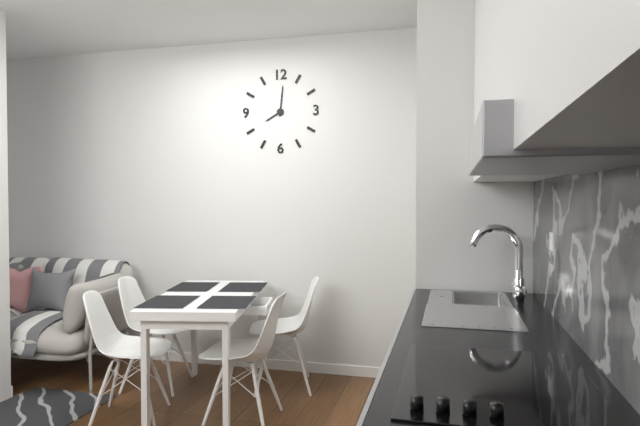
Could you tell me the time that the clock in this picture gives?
8:01
